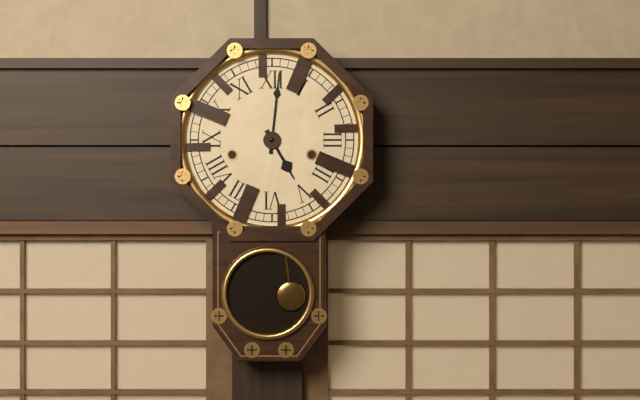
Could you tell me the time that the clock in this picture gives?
5:01
